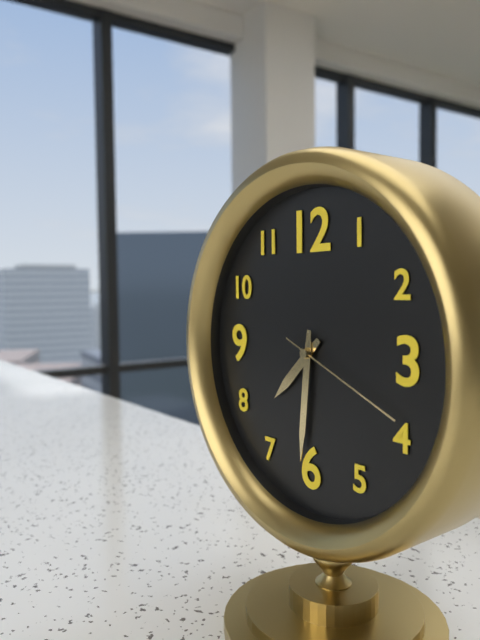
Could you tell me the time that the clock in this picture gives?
7:31:19
